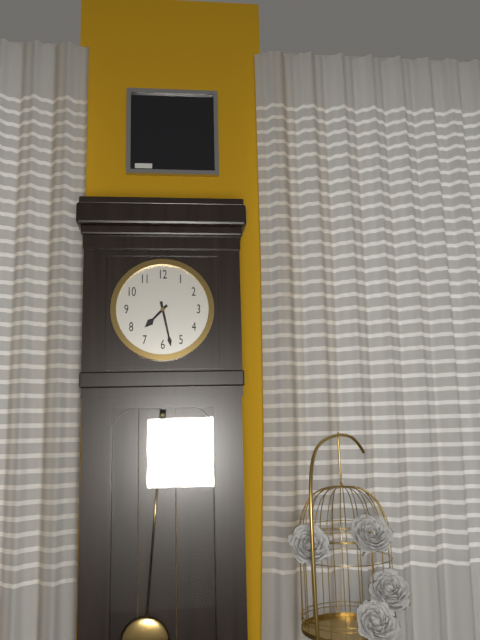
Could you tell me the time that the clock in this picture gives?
7:28
